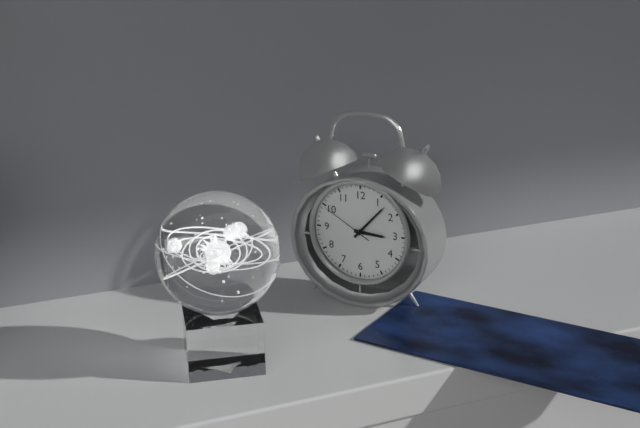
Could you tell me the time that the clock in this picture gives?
3:07:50
